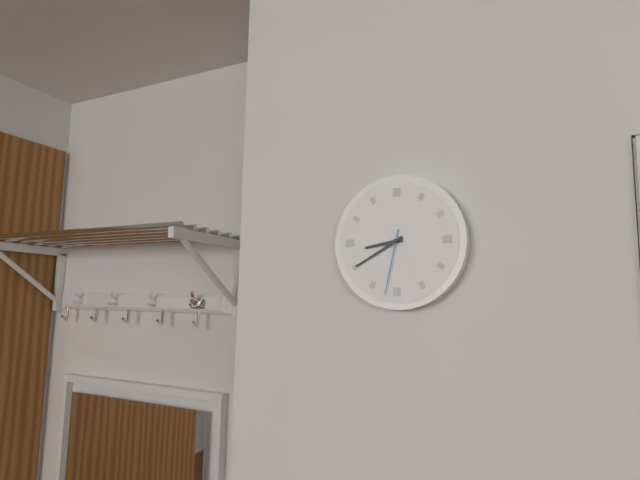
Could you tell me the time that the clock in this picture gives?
8:40:32
